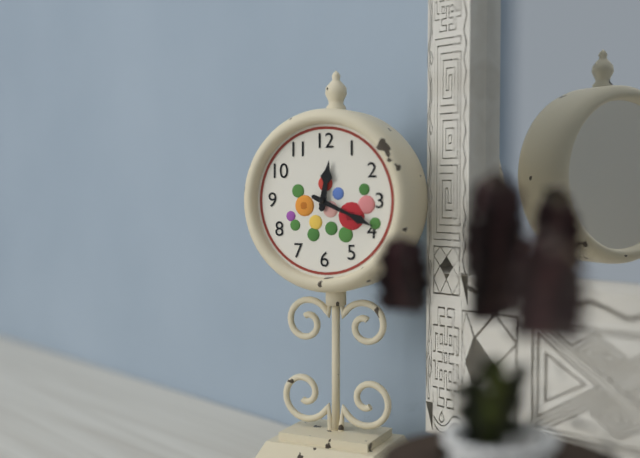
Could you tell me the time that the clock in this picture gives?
12:19
